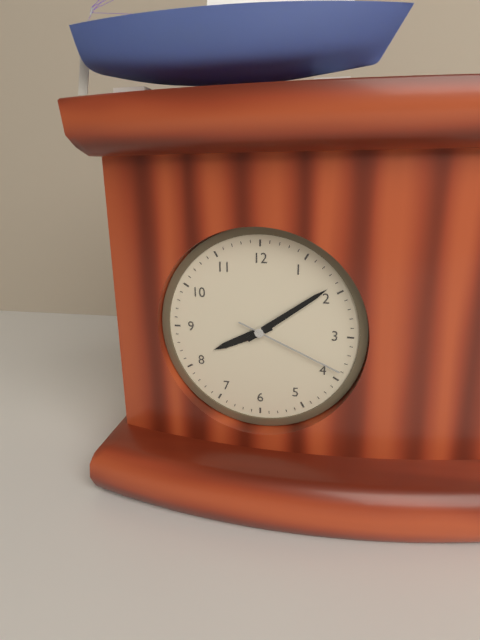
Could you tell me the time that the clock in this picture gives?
8:09:19
